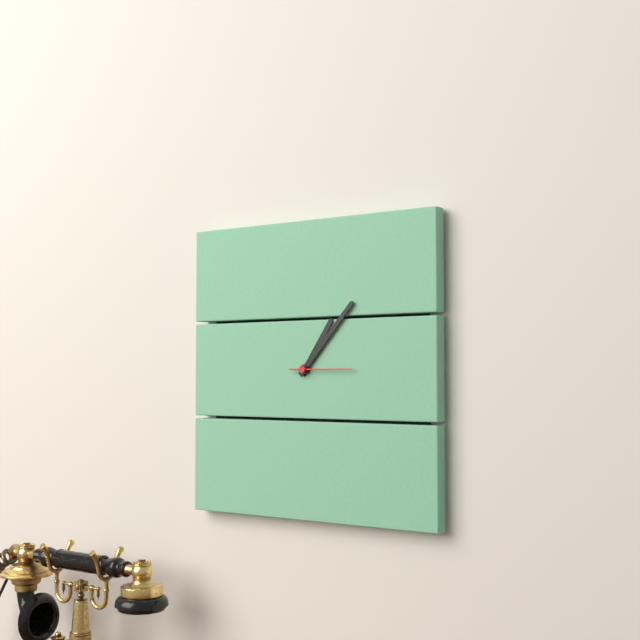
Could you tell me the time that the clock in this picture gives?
1:07:15
